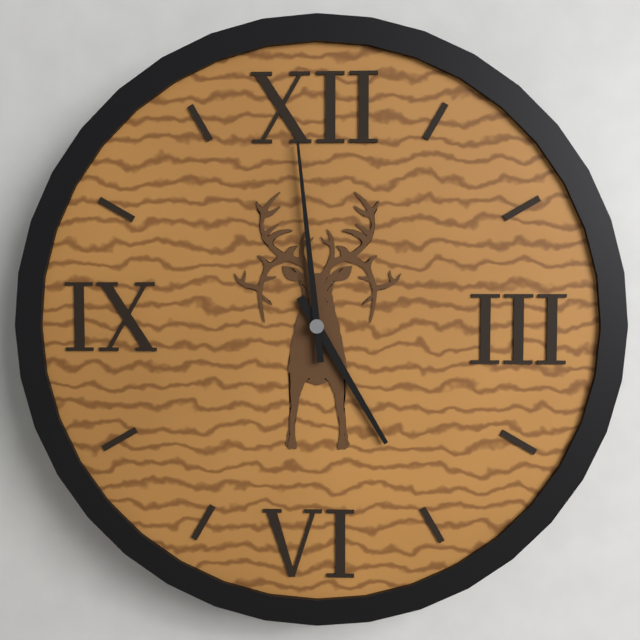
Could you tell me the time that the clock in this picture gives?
4:59
